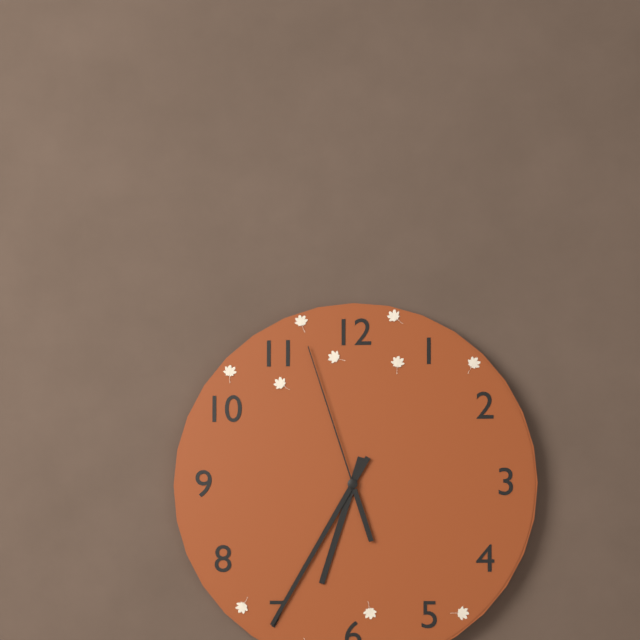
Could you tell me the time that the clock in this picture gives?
6:35:57
